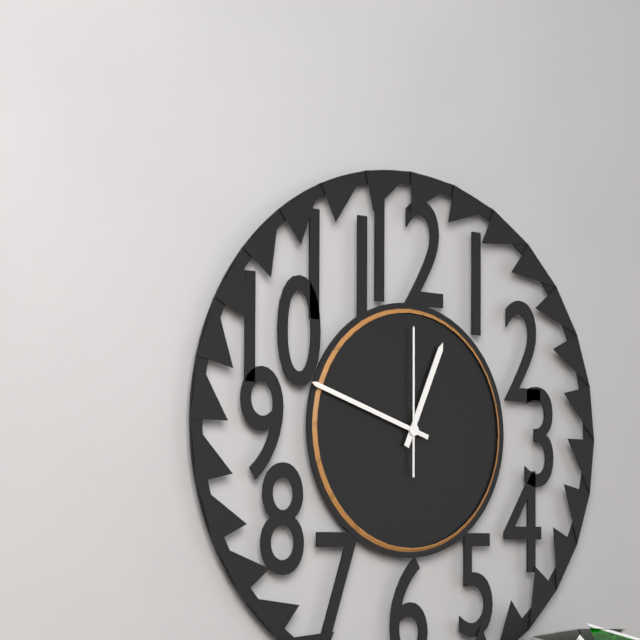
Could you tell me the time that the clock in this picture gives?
12:48:00
